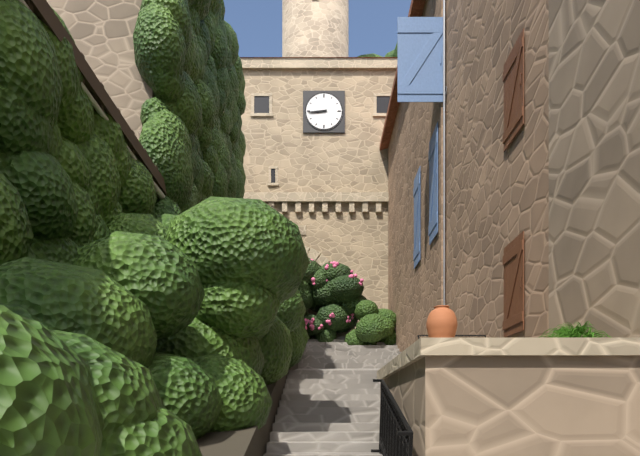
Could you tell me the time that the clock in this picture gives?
8:44
